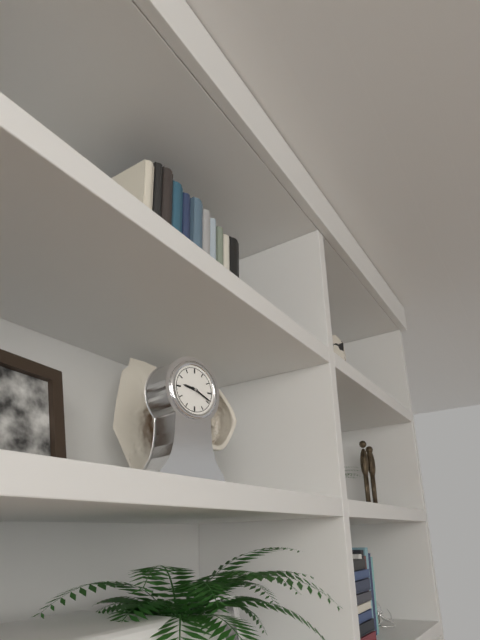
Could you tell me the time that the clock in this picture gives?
9:19
